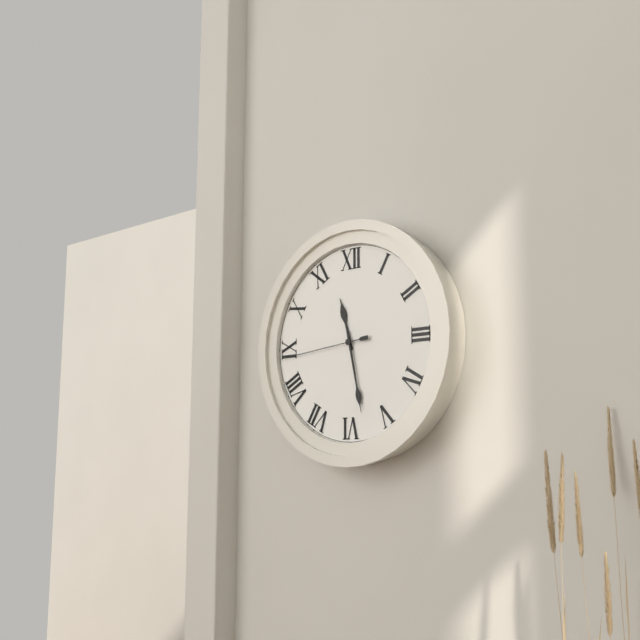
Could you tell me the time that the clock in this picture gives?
11:28:44
